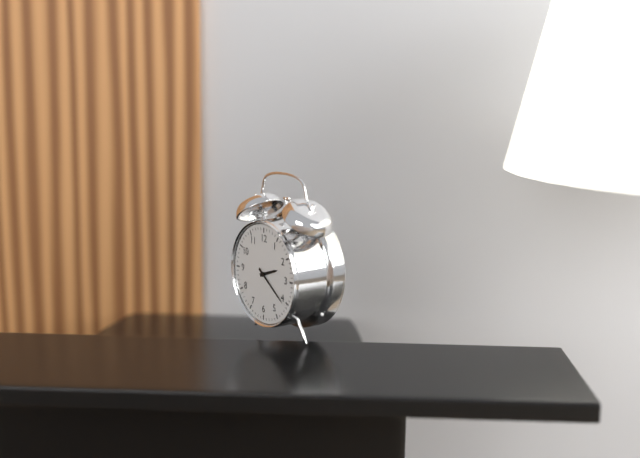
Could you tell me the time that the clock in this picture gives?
2:21
